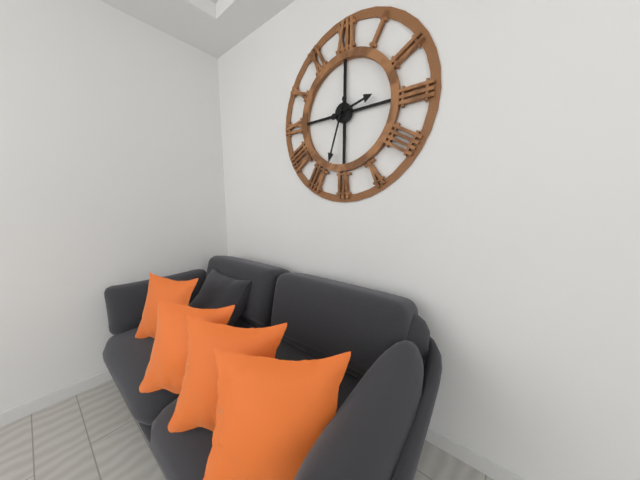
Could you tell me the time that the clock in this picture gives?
2:33
